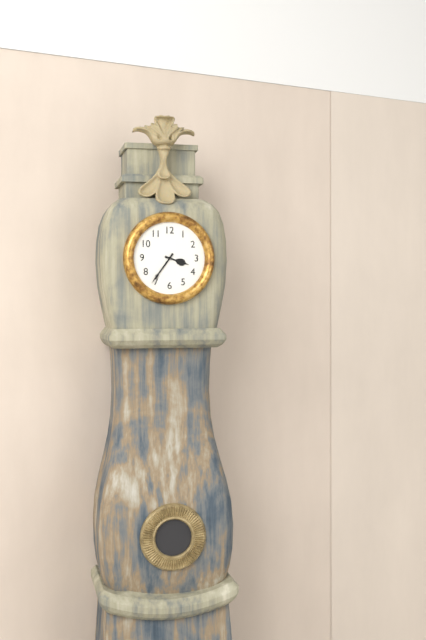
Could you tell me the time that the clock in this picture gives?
3:36
